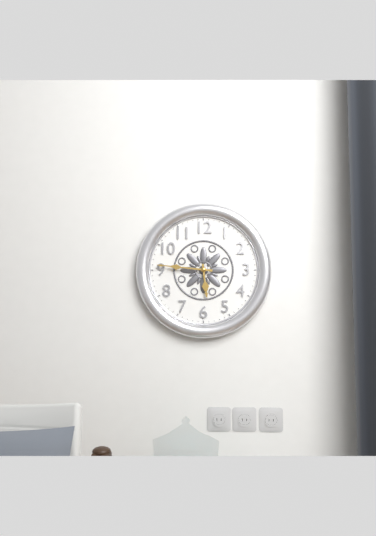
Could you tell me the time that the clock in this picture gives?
5:46
